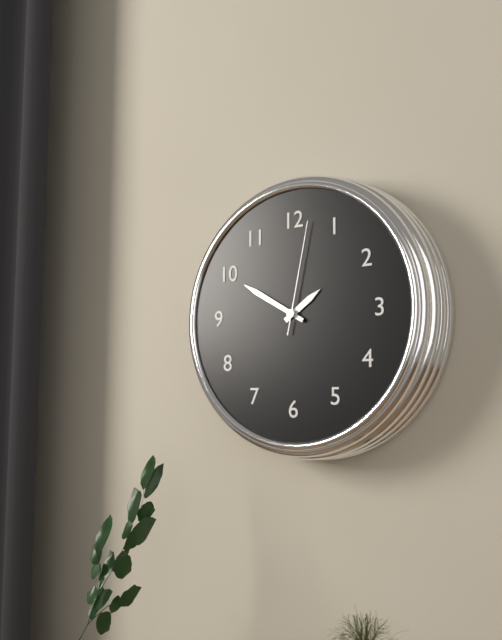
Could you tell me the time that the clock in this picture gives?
1:50:02
